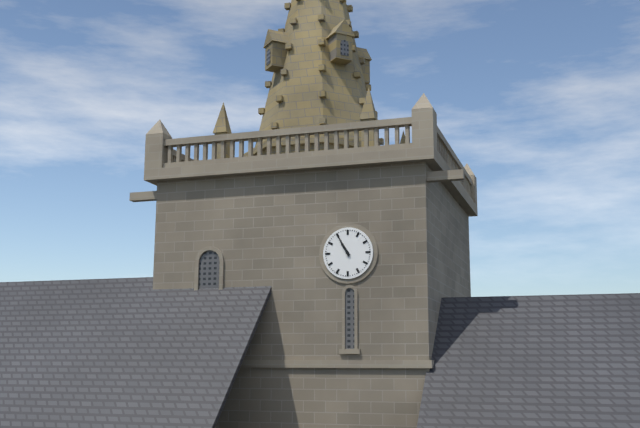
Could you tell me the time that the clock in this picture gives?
10:55
